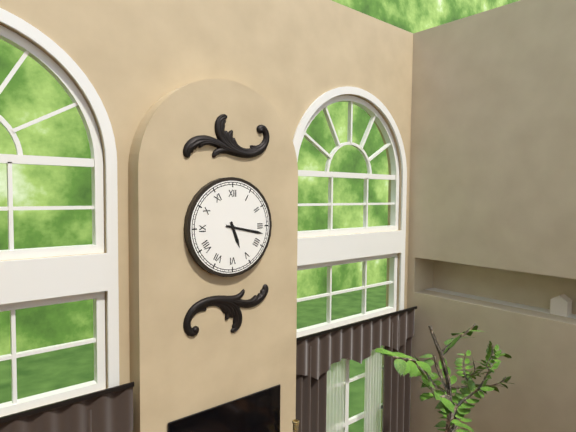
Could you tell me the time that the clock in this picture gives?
5:17
